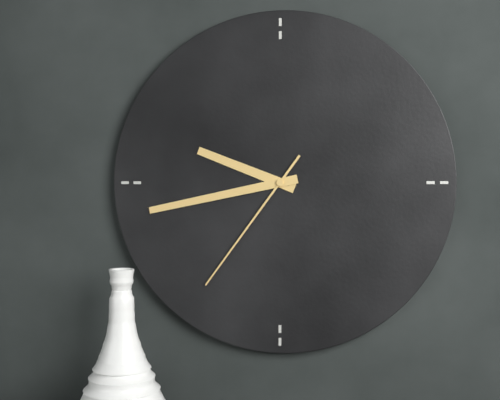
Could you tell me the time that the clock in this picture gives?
9:43:36
